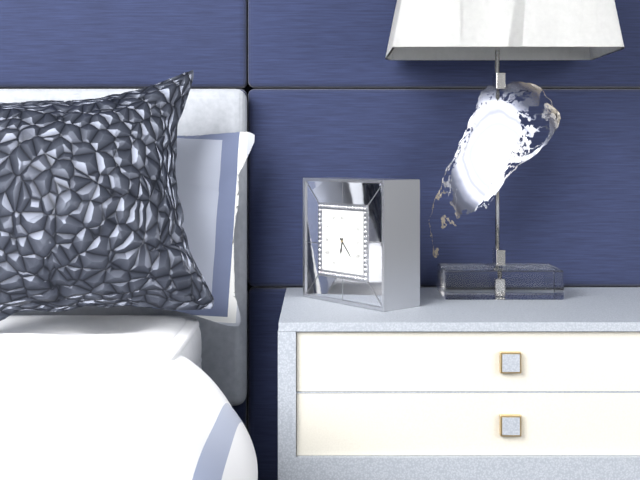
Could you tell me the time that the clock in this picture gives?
6:23
